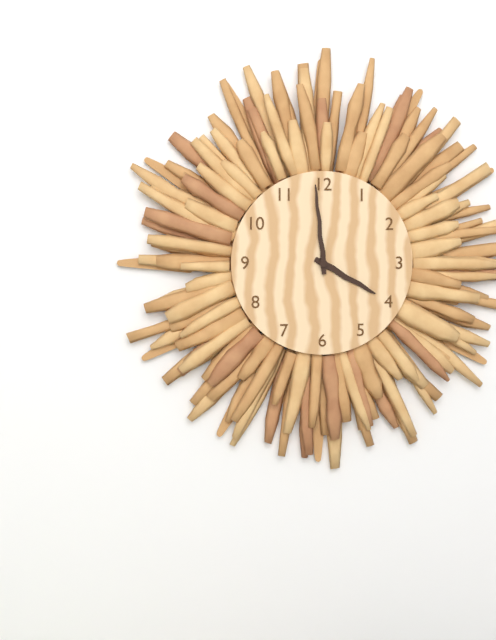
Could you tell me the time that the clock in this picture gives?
3:59
